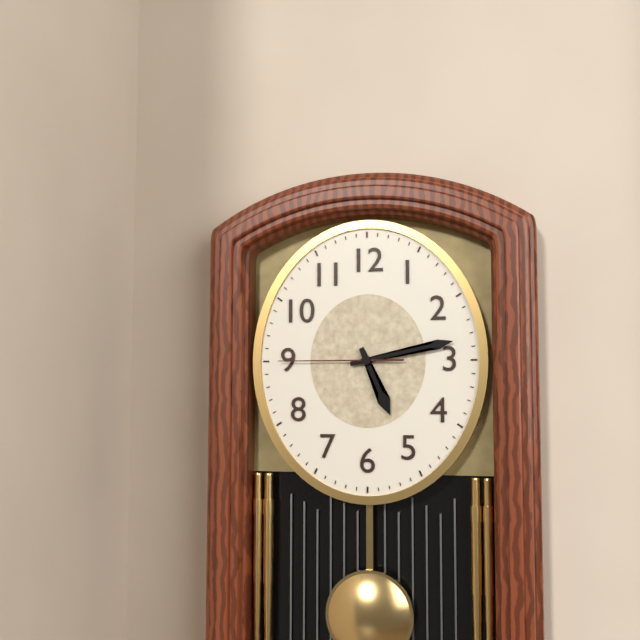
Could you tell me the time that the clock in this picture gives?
5:13:45
